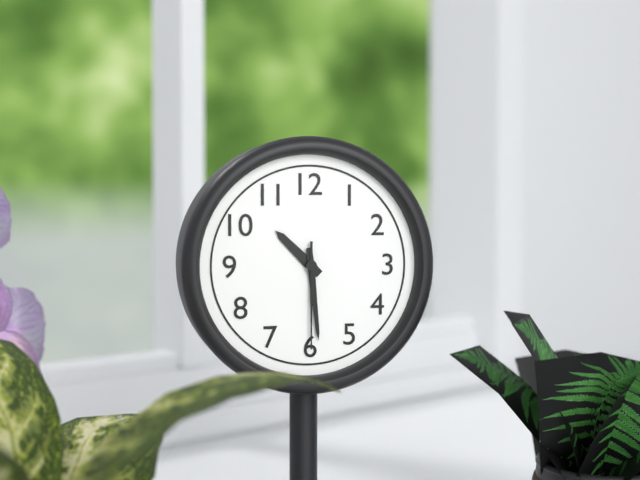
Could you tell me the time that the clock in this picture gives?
10:29:30
